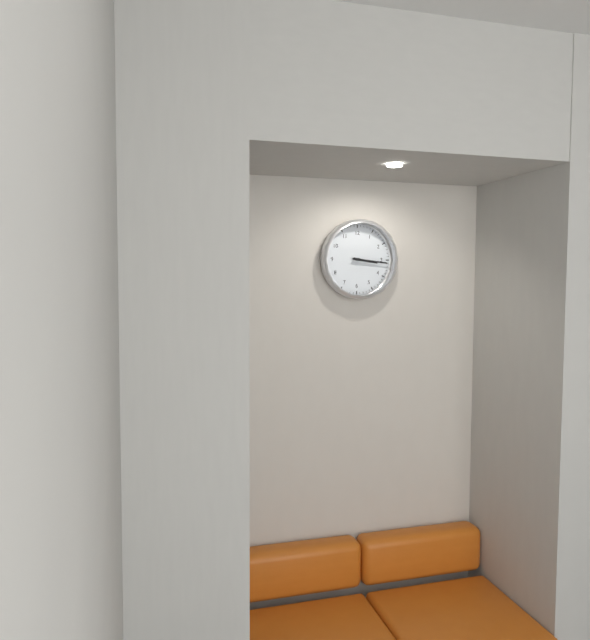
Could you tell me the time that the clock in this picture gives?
3:16
